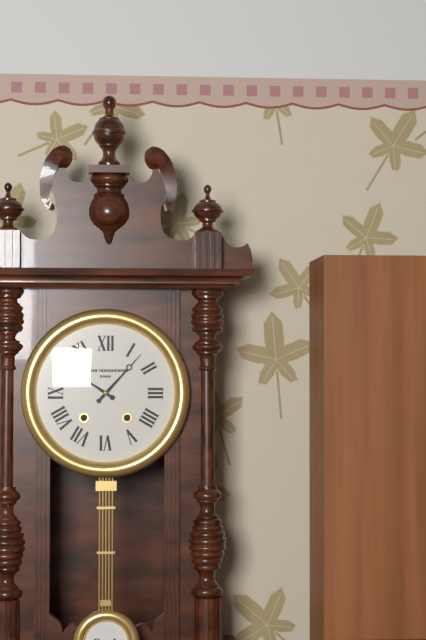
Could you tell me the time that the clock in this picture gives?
10:07
